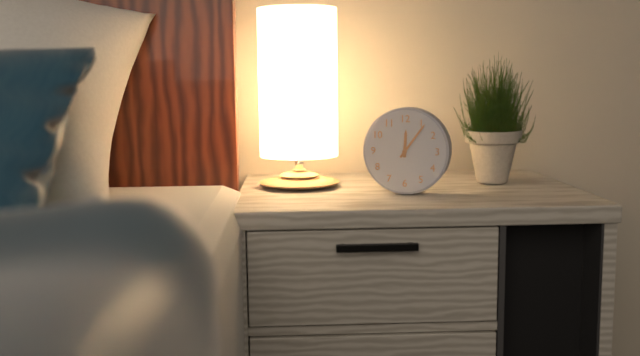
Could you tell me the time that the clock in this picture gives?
12:06
